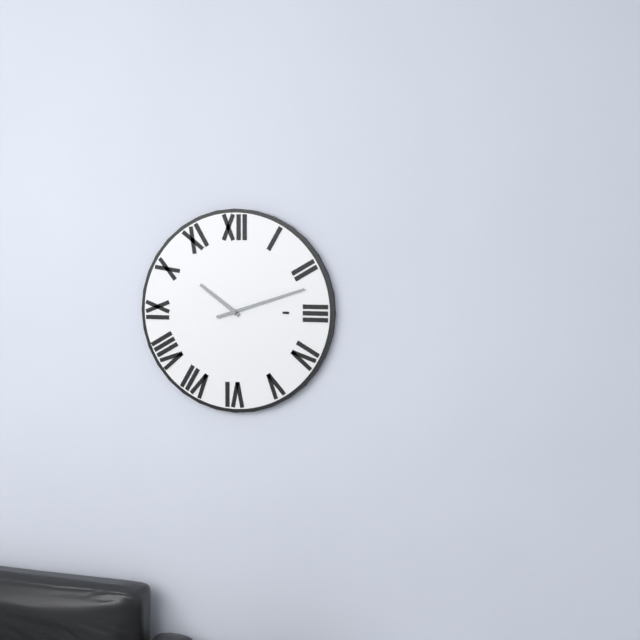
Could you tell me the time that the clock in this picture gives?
10:12
